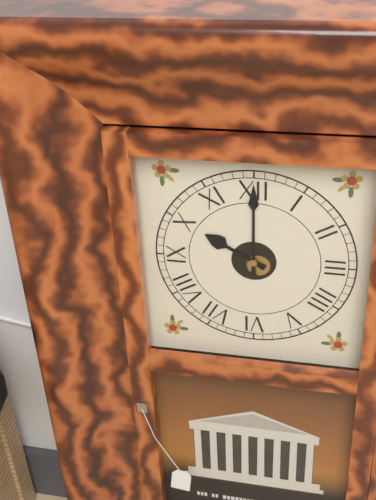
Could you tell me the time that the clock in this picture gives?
10:00
